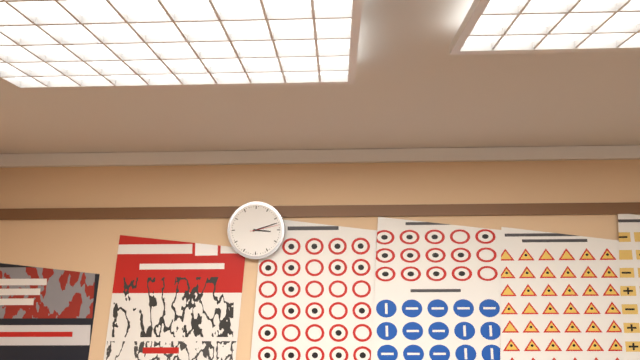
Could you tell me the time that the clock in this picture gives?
3:12
